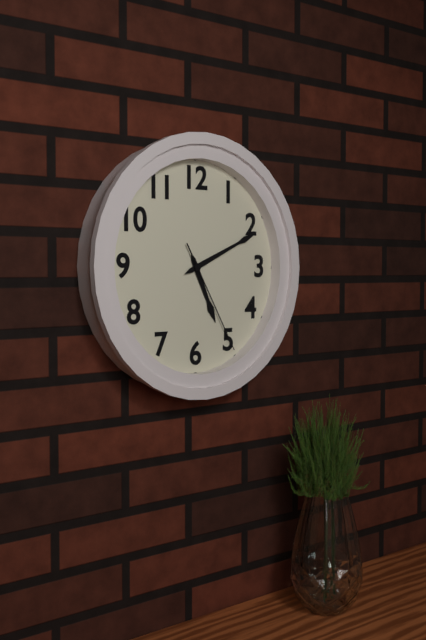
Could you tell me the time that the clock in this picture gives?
5:11:25
